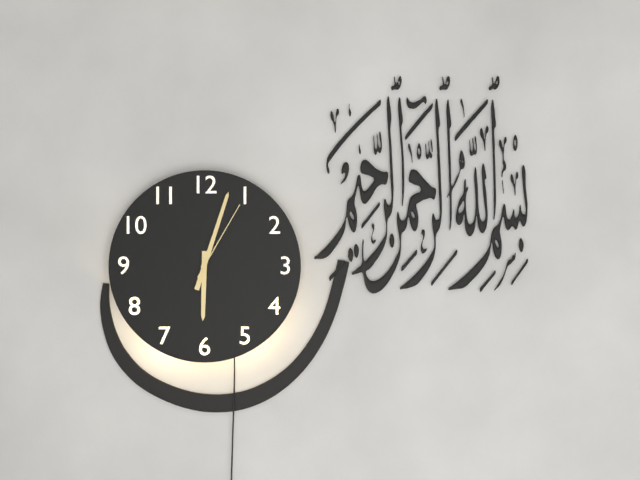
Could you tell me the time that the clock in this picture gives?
6:03:05
